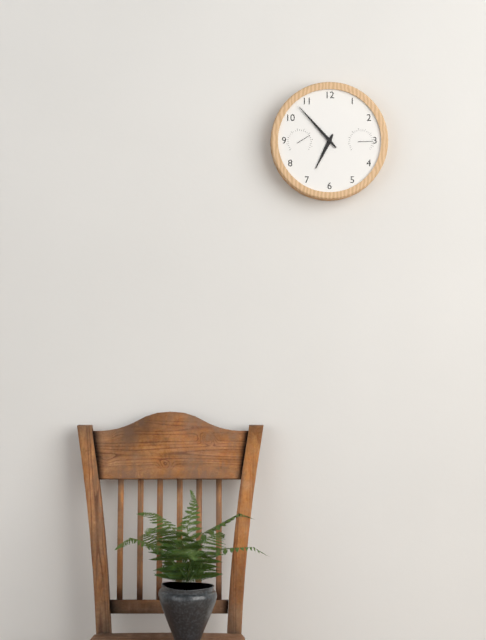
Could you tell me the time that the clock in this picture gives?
6:53
